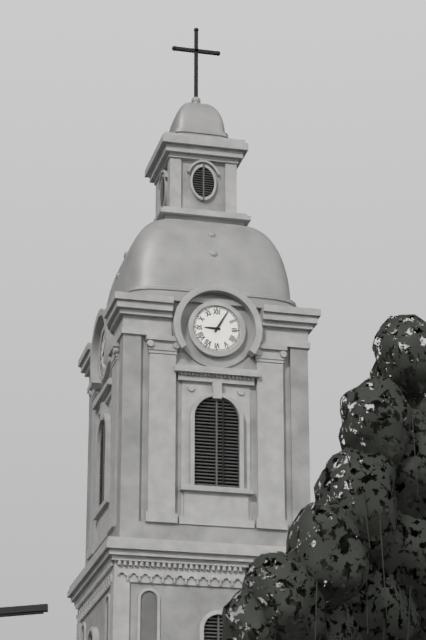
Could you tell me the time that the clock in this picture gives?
9:05
